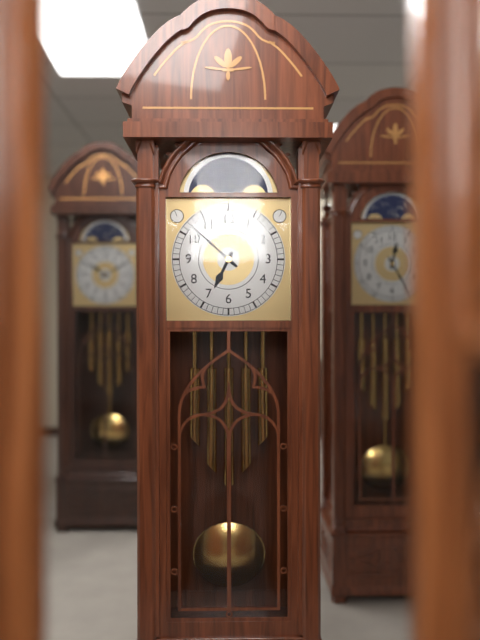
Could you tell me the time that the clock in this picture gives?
6:52
